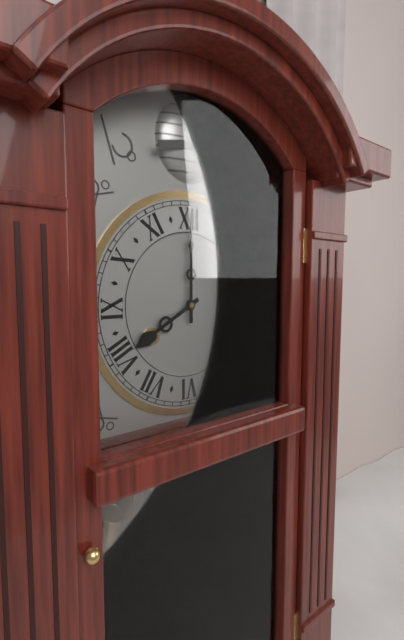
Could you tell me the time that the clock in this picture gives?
8:00
